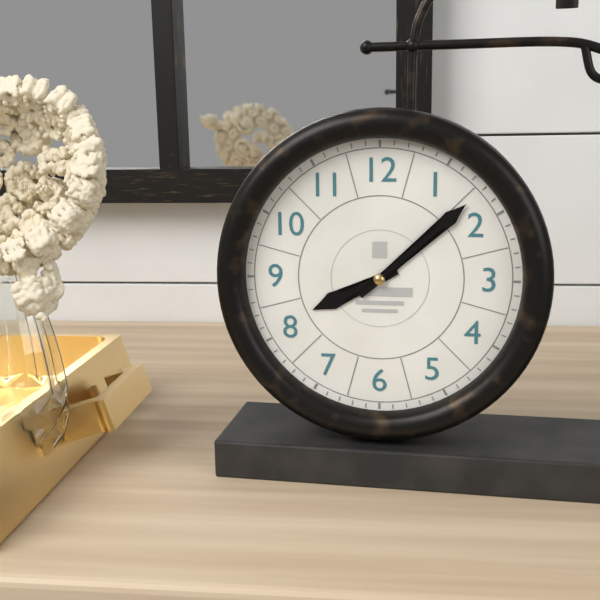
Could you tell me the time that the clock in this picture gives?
8:08
